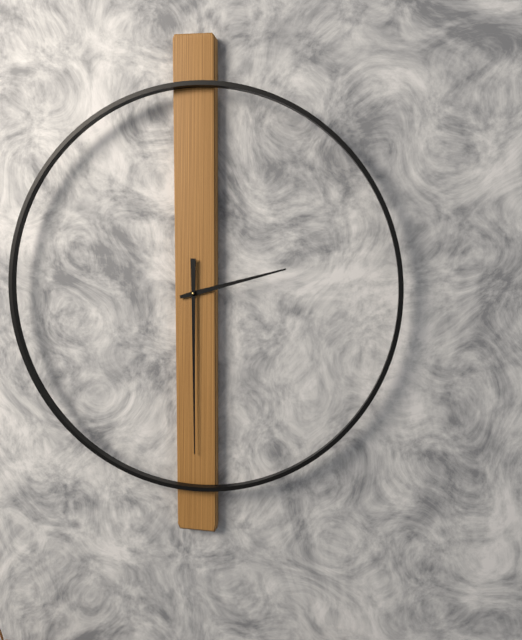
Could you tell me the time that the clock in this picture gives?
2:30
